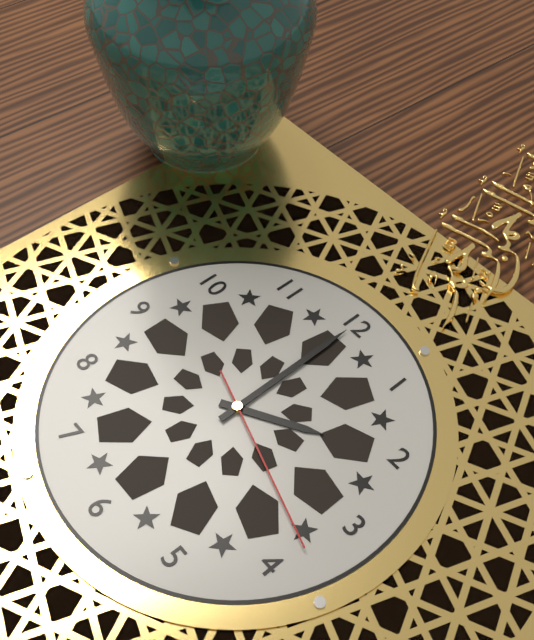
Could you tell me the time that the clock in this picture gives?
2:00:18
